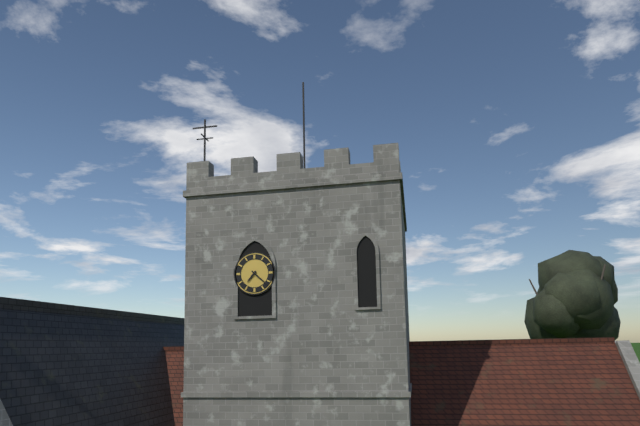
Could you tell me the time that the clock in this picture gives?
7:22
